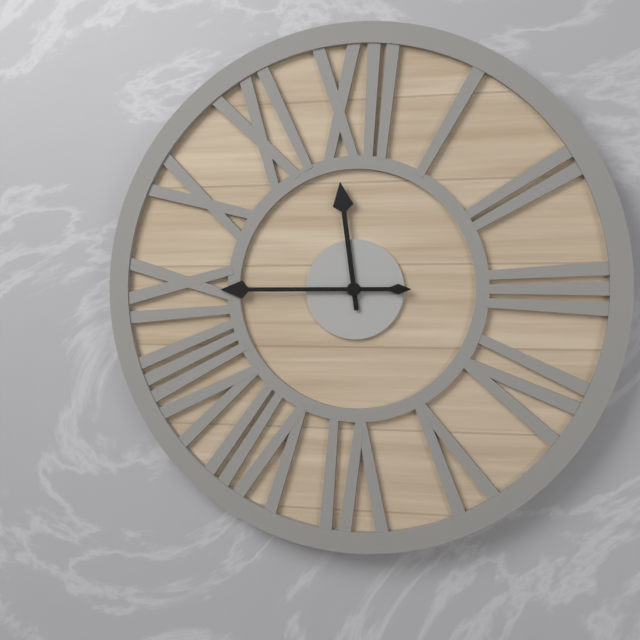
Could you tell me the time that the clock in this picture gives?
11:45
